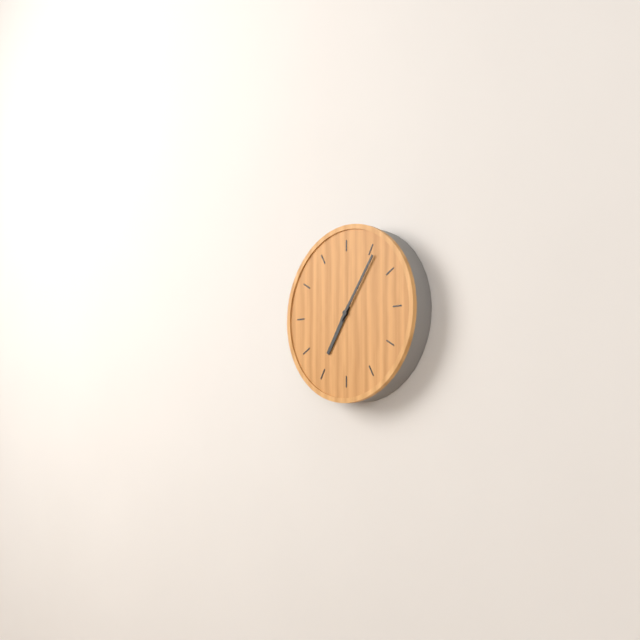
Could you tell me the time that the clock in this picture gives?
7:06
